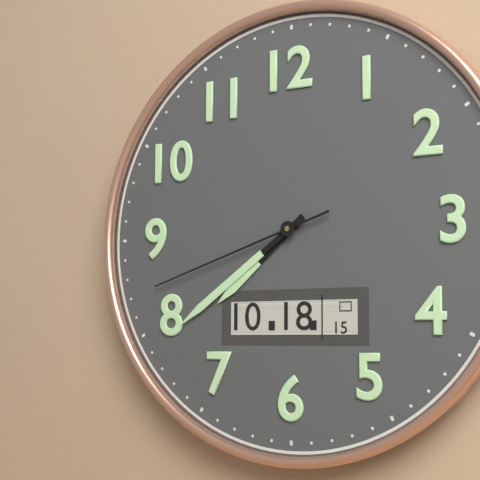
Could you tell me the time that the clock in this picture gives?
7:39:42
